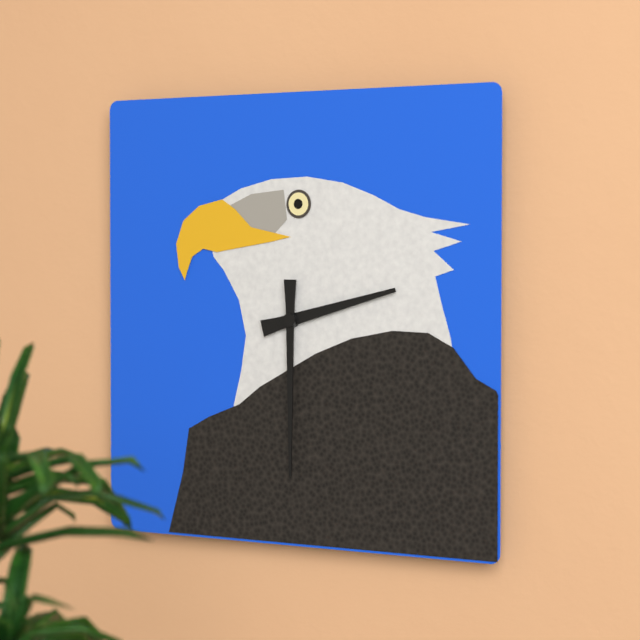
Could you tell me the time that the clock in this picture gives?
2:30
